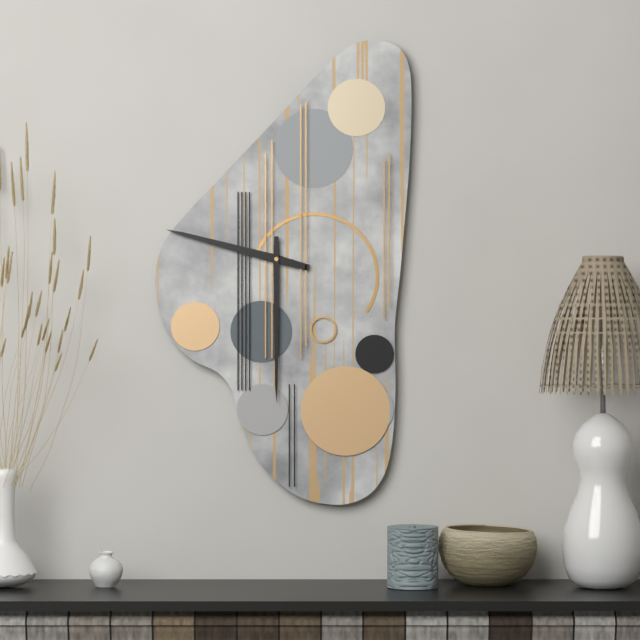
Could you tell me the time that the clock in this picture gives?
9:30
